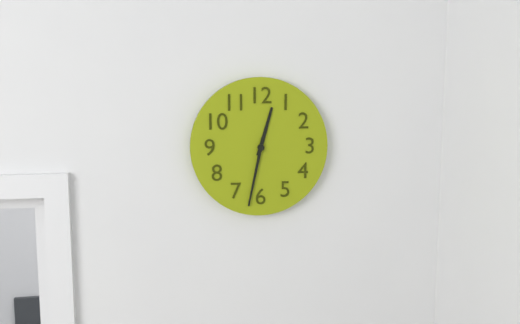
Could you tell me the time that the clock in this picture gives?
12:32
